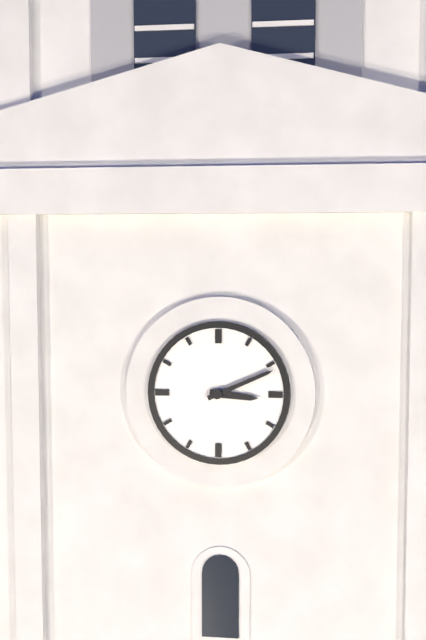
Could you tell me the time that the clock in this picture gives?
3:11
